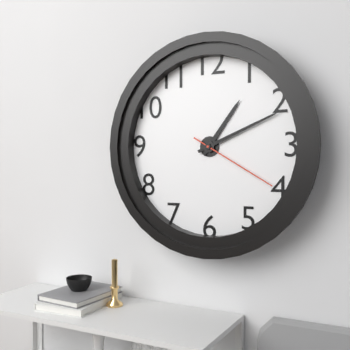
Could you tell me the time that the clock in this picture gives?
1:11:20
